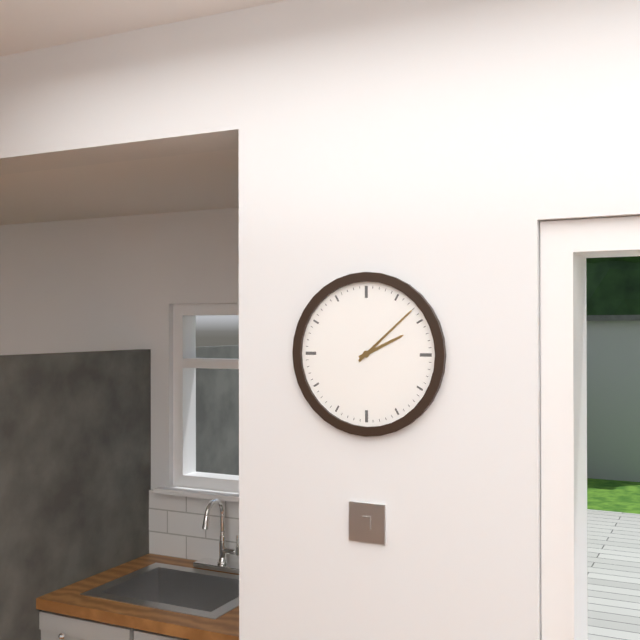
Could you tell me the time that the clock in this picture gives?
2:08
